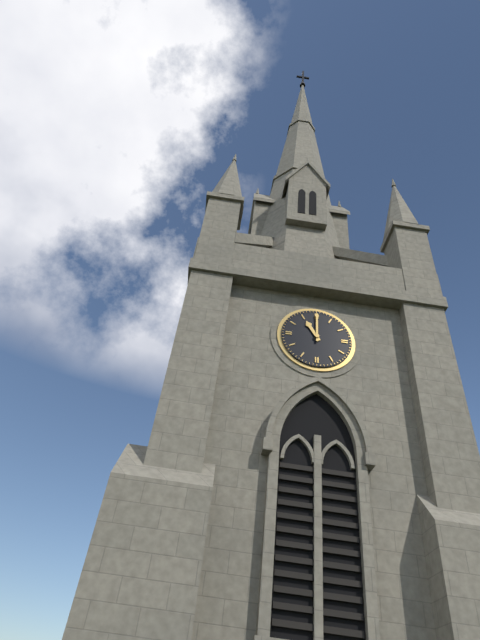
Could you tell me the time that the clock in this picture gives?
11:00
